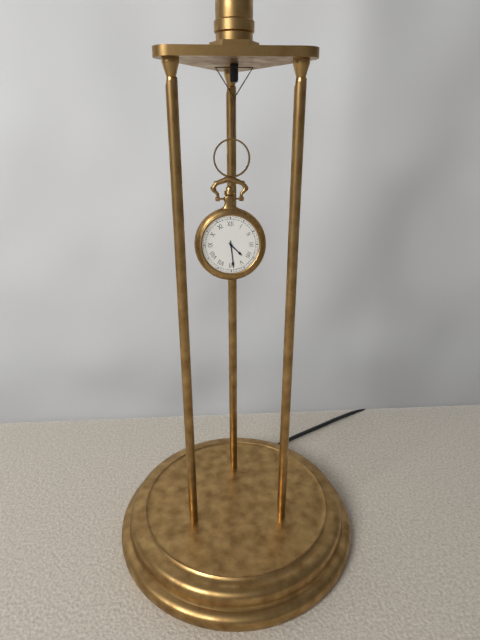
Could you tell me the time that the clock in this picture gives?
4:29
